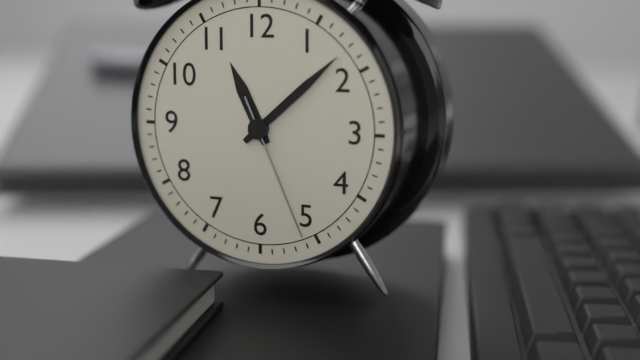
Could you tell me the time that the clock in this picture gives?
11:08:26
